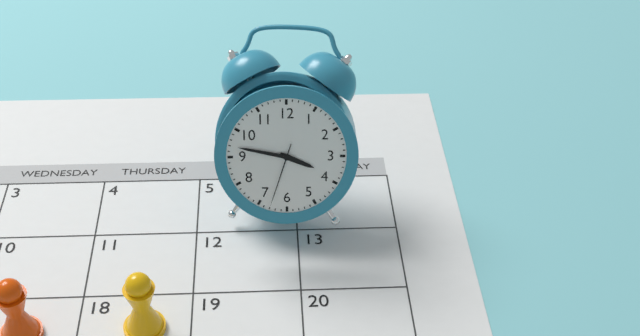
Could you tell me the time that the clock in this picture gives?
3:47:33
